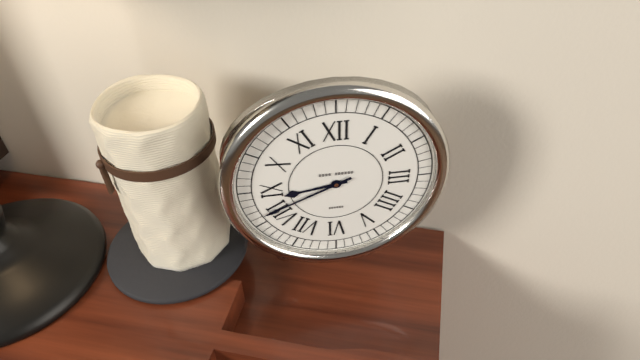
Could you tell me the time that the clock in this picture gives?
8:41
